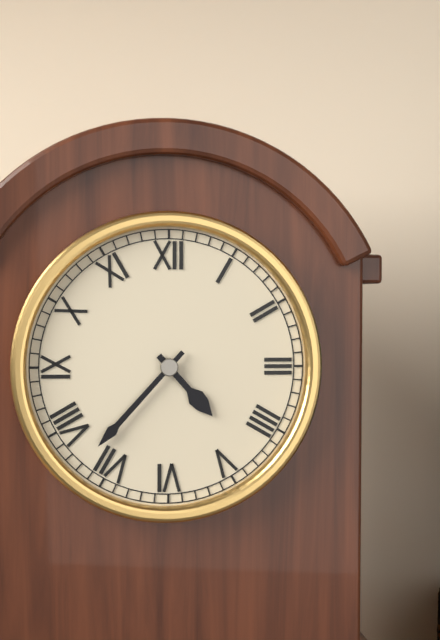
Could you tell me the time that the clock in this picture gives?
4:37
